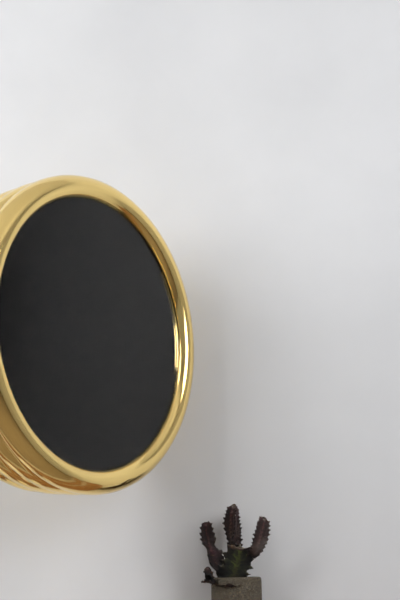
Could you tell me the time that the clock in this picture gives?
1:31:44
